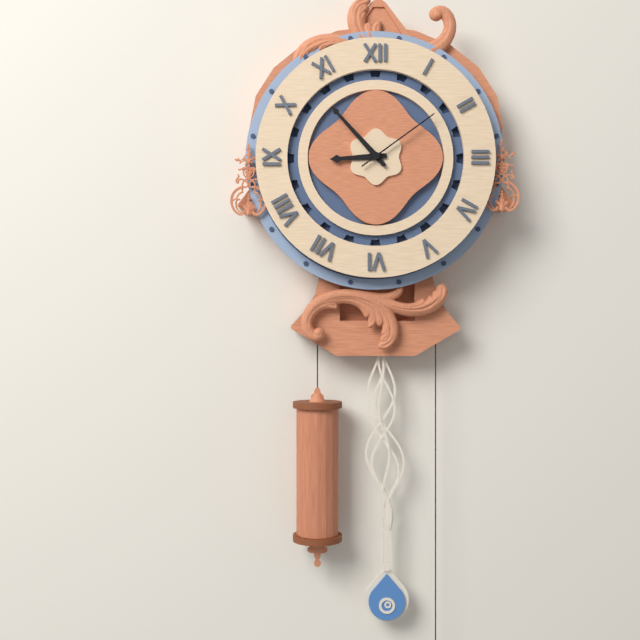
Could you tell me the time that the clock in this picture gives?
8:53:09
